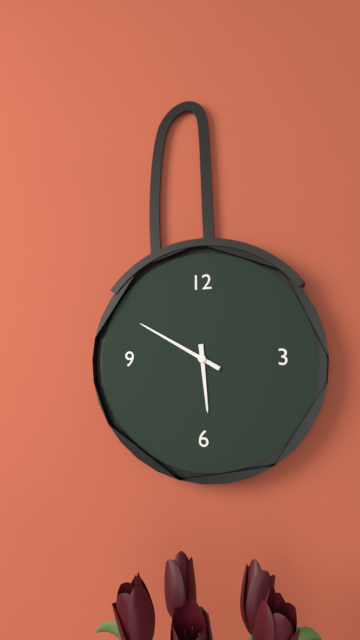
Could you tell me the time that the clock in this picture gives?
5:50
